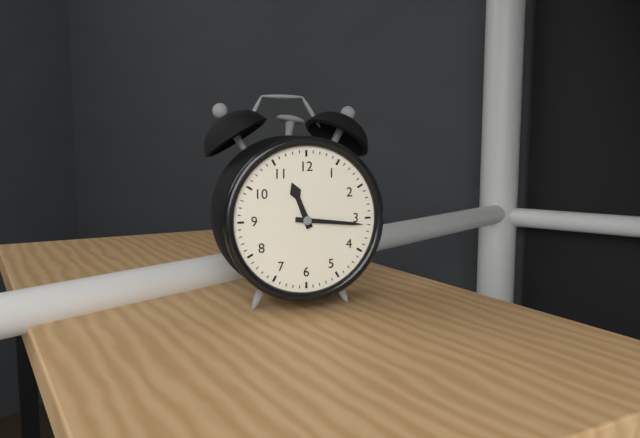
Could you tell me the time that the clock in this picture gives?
11:16
